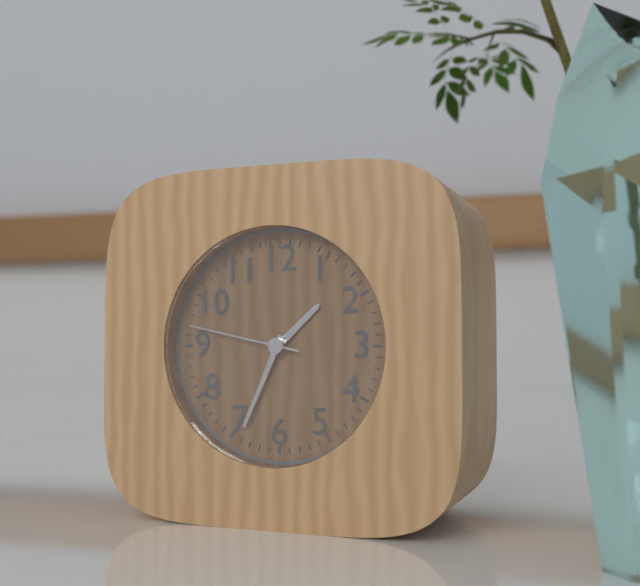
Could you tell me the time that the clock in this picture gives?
1:34:47
